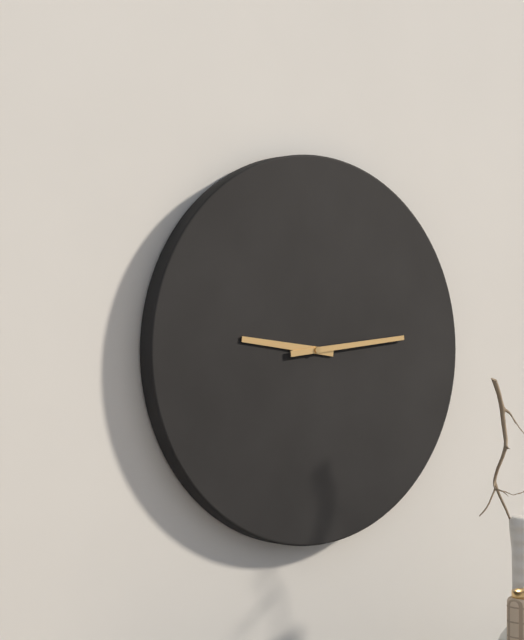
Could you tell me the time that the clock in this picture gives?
9:14
